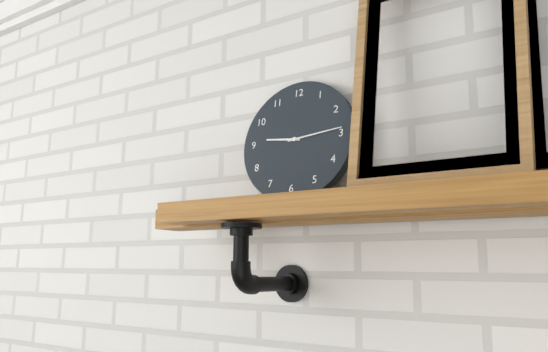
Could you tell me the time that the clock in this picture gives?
9:14
